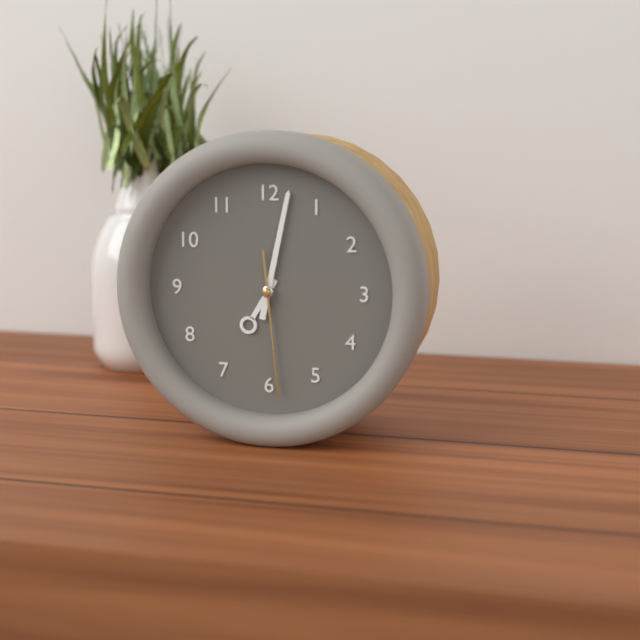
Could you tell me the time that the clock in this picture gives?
7:02:29
